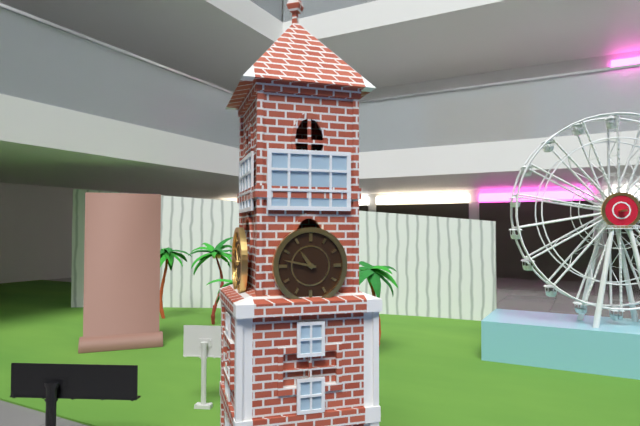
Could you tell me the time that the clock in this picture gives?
10:47
